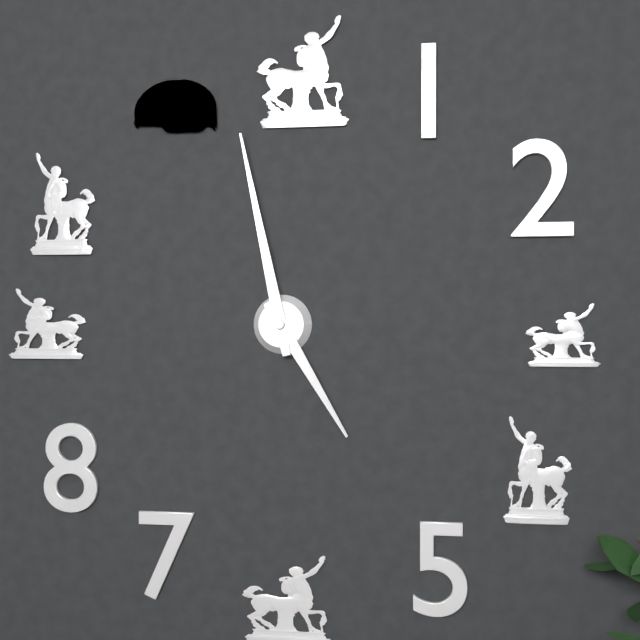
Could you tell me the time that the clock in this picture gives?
4:58
